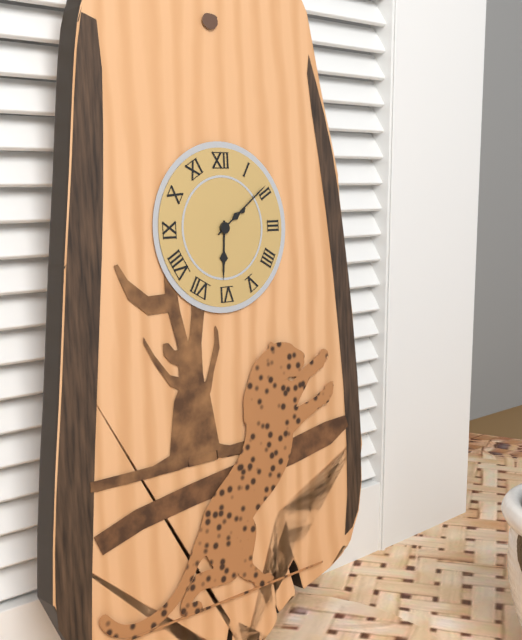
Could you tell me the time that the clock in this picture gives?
6:09
